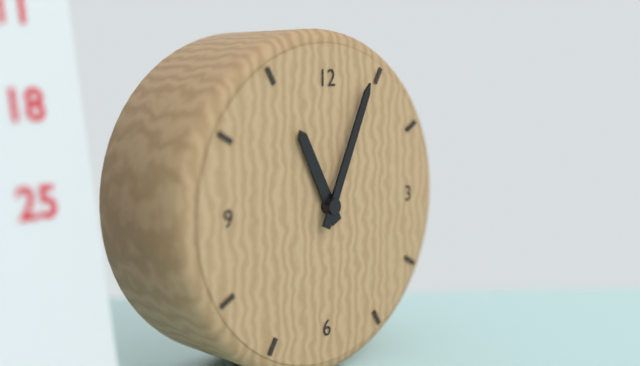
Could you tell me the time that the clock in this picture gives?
11:04
